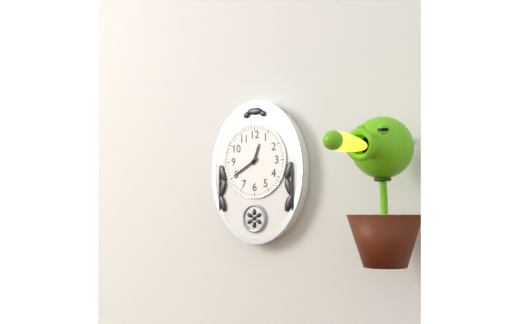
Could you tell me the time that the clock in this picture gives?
12:40
